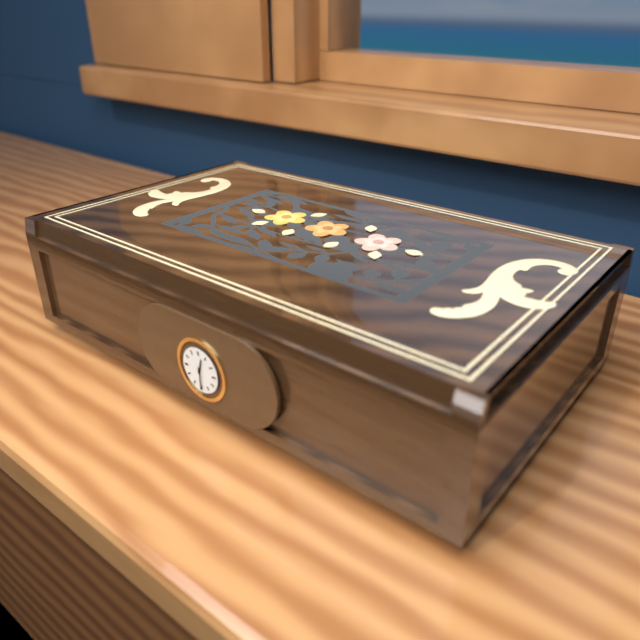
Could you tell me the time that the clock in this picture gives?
12:30:29
